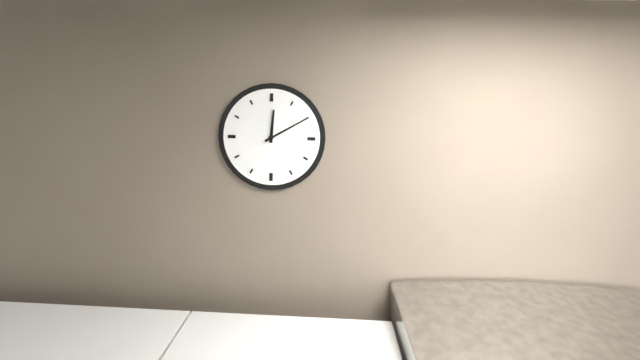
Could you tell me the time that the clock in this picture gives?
12:10
